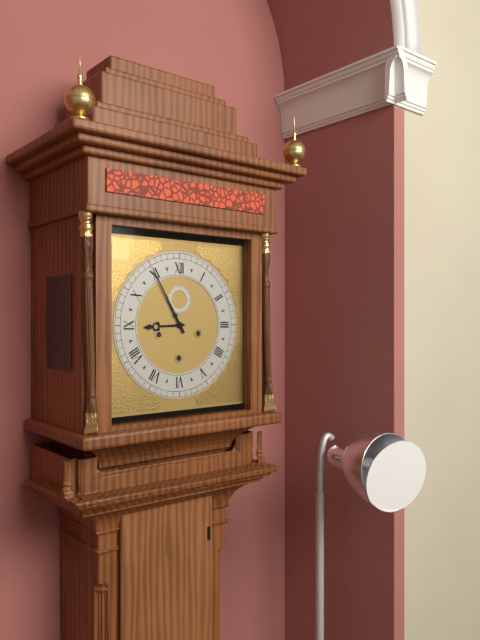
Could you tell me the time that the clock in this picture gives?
8:55
